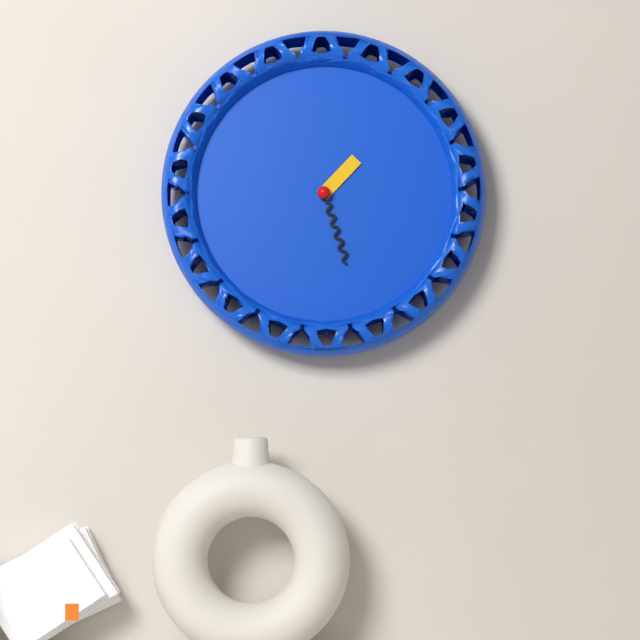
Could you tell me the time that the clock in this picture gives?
1:27
